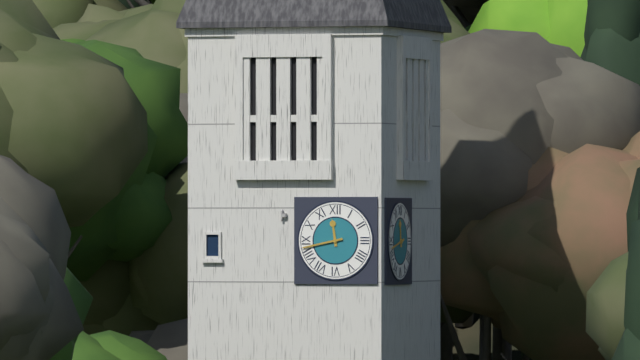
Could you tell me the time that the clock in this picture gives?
11:43
